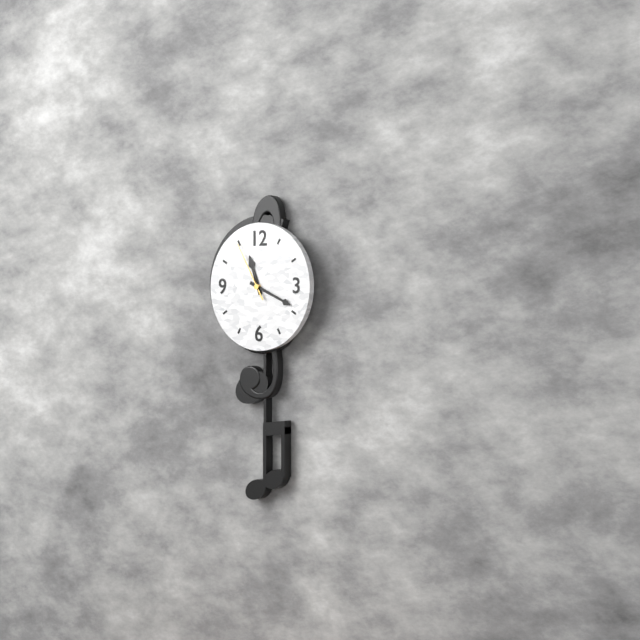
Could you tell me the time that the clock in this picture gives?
11:19:55
